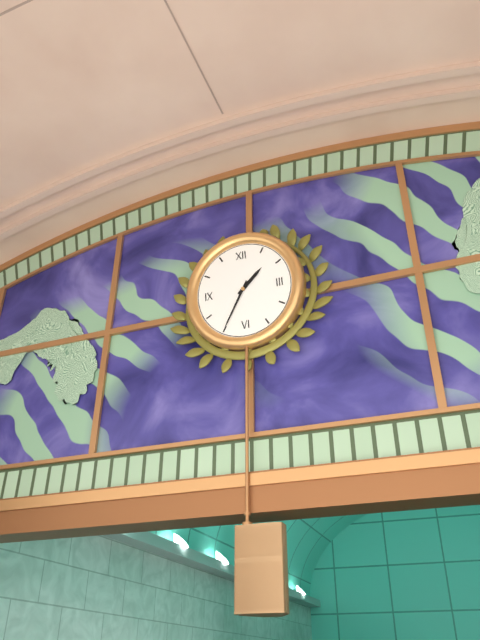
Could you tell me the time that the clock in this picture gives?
1:35
